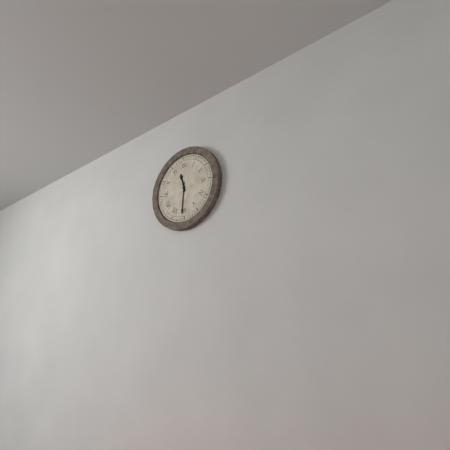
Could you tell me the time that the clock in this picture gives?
11:31
